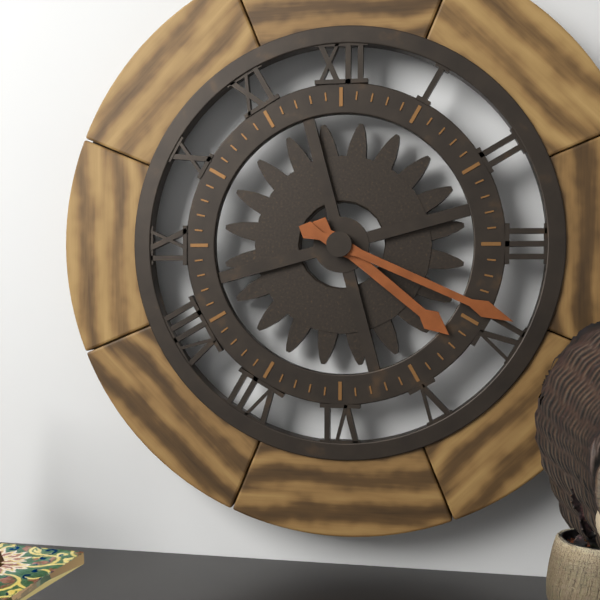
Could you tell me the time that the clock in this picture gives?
4:19
